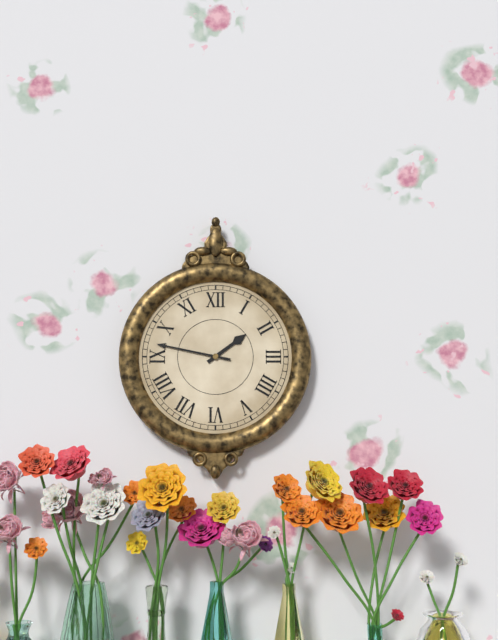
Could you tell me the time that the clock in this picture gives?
1:47
